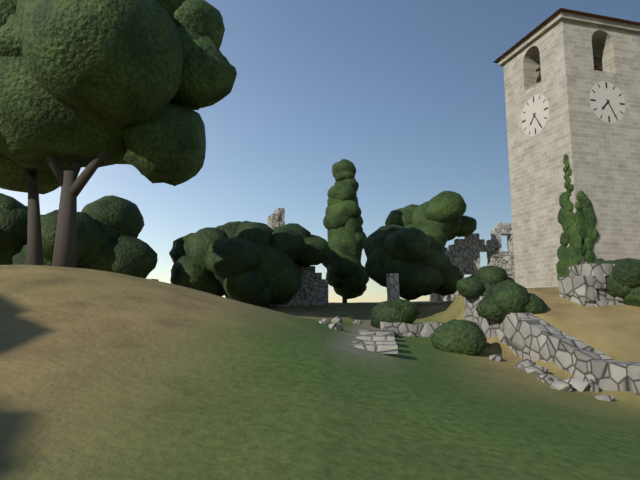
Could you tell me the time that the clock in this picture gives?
7:25
